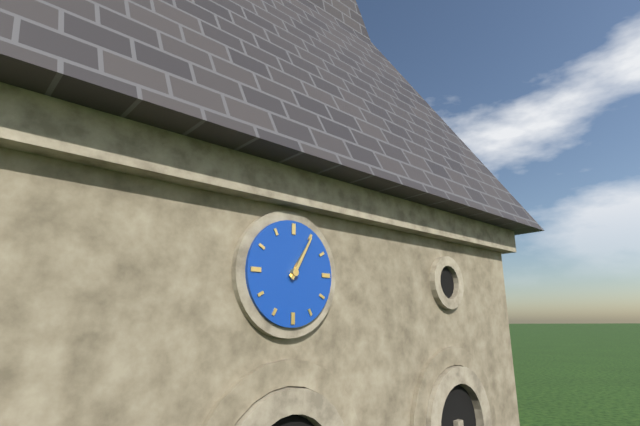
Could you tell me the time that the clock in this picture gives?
1:05
